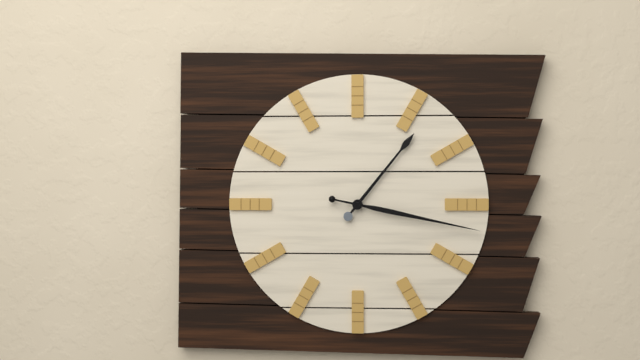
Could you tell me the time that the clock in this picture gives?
1:17
